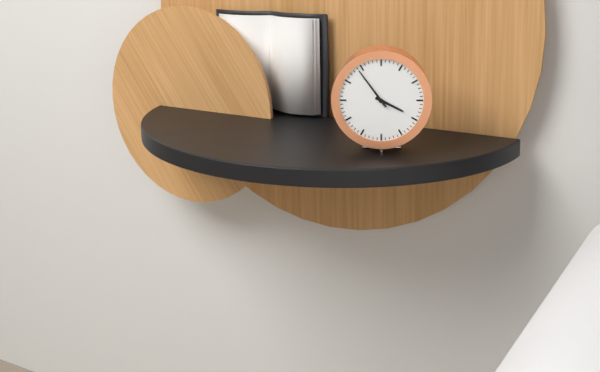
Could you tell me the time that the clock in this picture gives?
3:54
